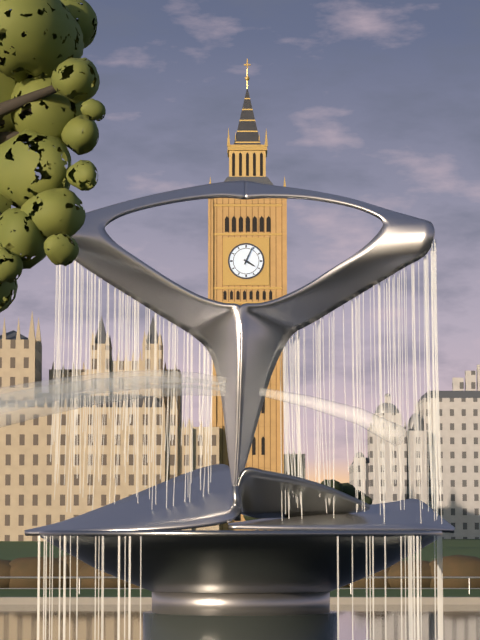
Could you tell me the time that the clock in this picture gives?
4:04
